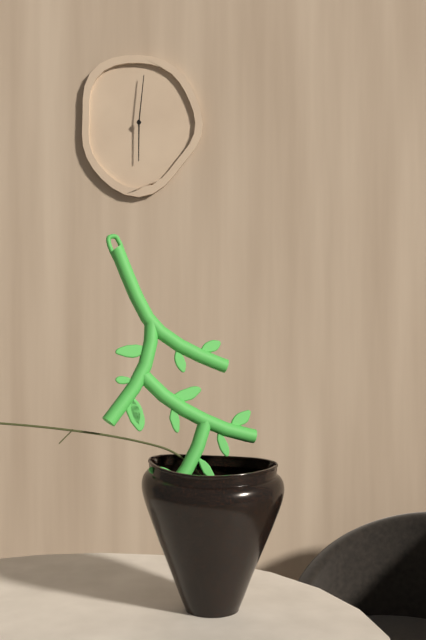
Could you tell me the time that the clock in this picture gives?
6:01
